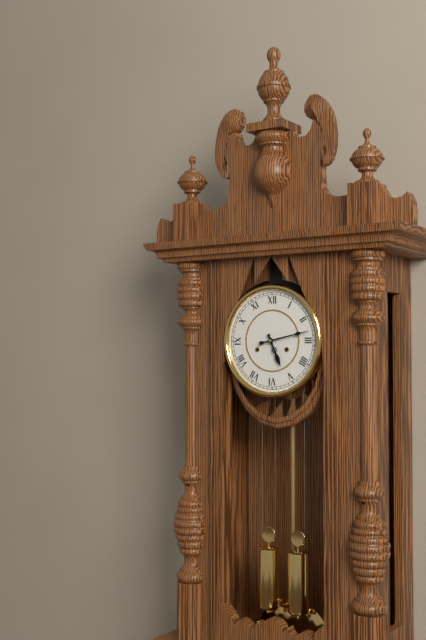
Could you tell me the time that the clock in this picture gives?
5:13
